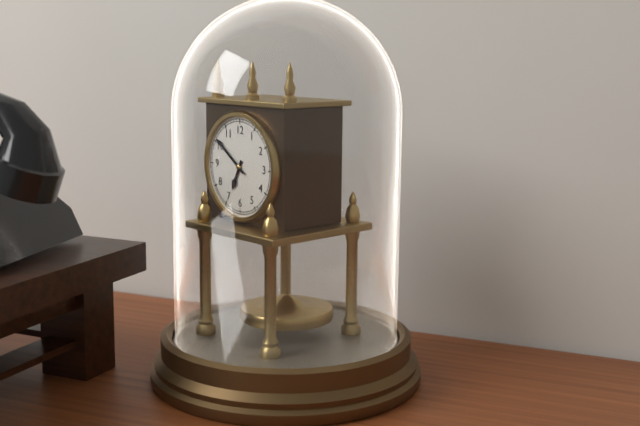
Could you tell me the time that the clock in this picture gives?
6:51
